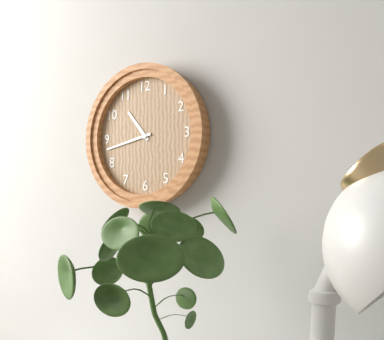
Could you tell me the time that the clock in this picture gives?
10:43
